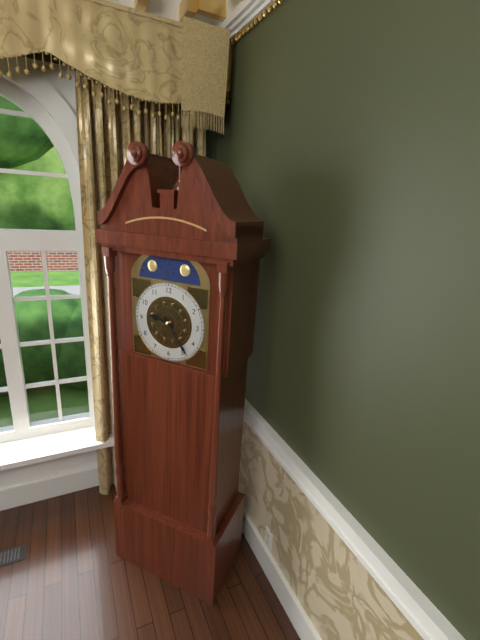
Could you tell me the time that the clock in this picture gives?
9:24
